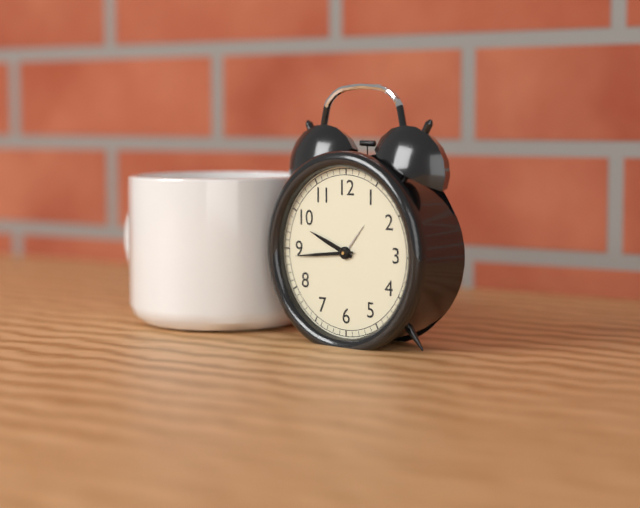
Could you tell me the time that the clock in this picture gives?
9:44
